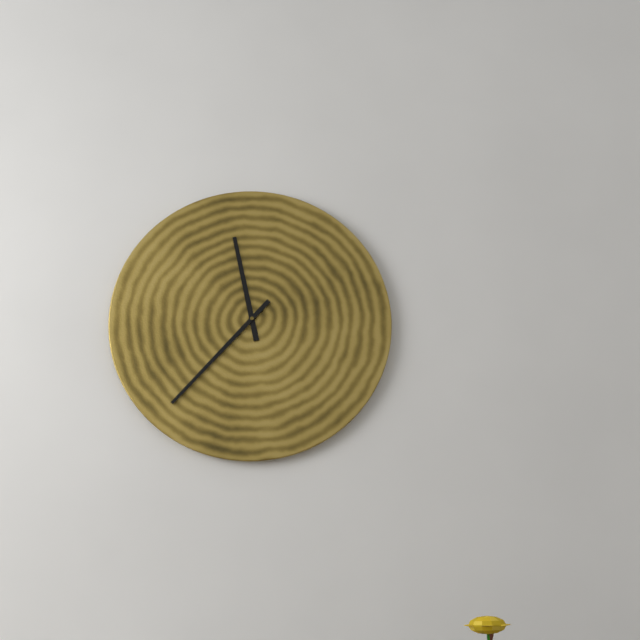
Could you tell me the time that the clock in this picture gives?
11:37
